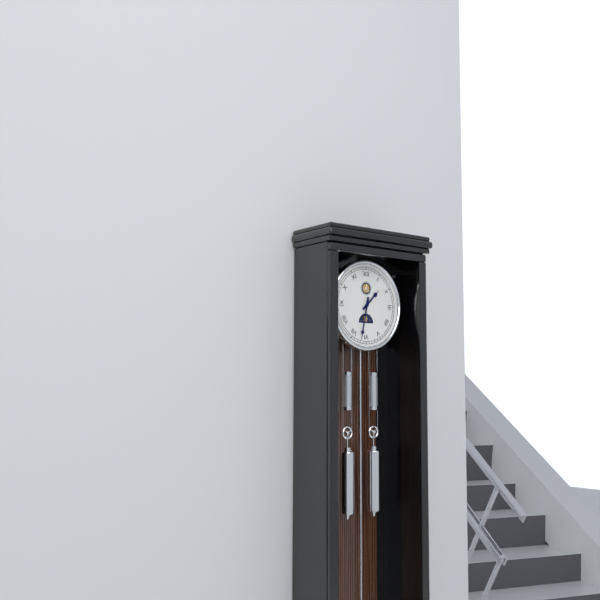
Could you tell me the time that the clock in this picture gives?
1:32
